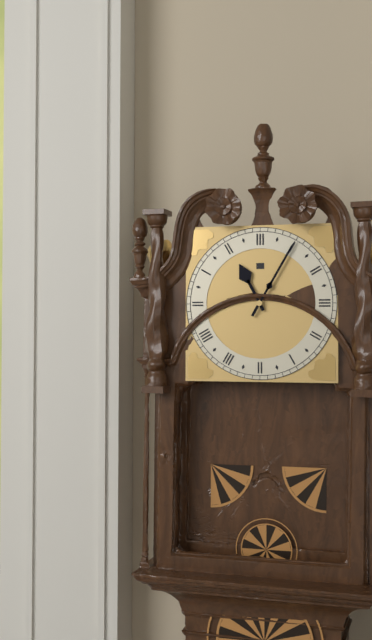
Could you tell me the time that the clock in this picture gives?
11:05
